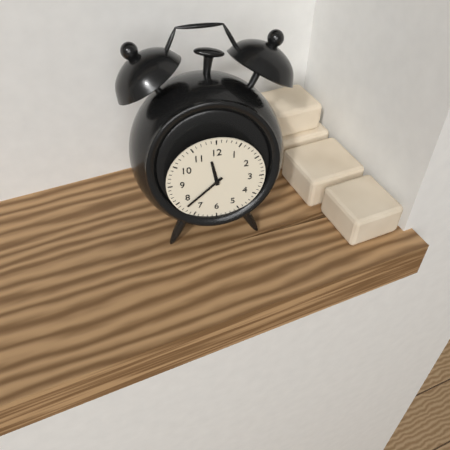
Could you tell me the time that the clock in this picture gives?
11:38
